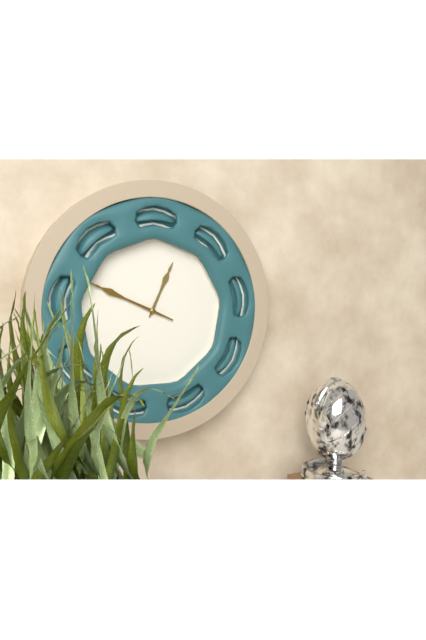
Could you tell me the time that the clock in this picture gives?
12:49
